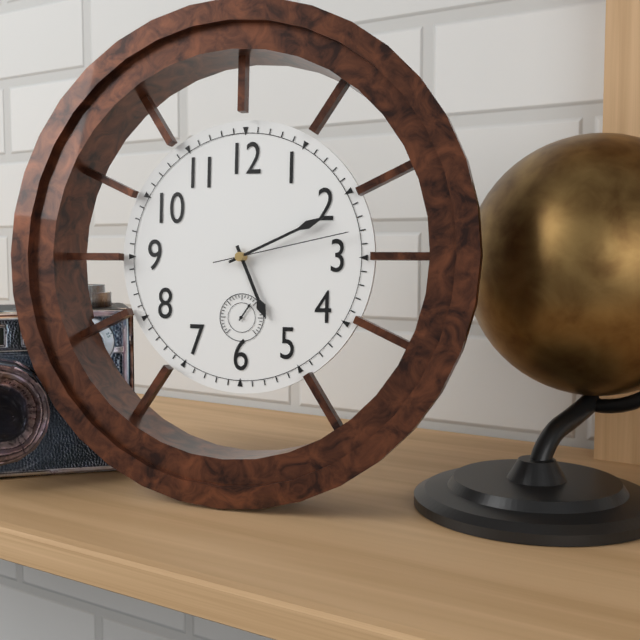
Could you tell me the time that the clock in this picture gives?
5:11:13
